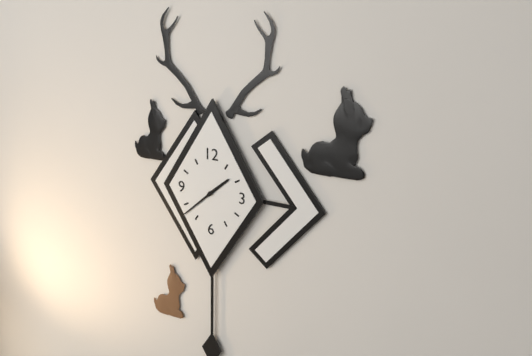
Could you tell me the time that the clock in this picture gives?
1:38
